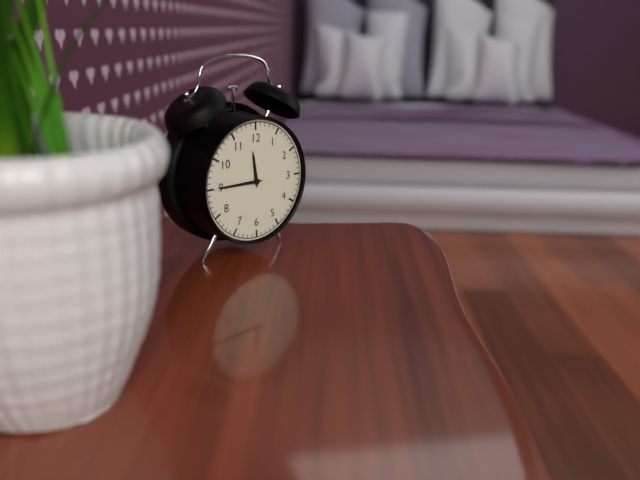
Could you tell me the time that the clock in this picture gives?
11:45
